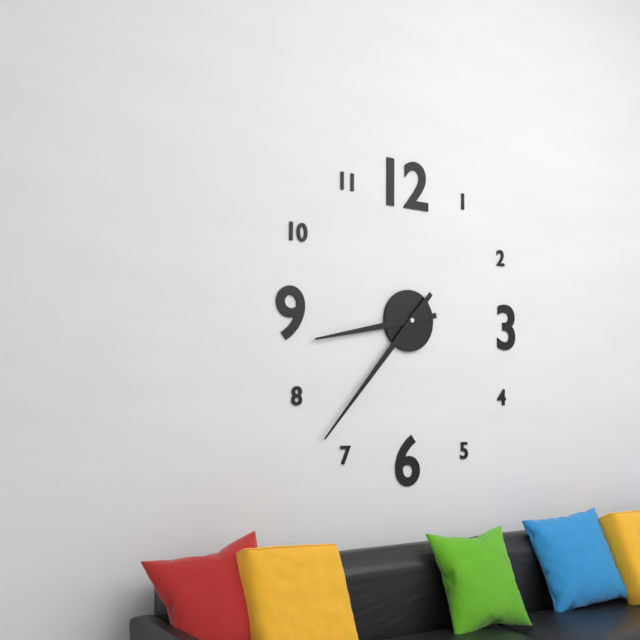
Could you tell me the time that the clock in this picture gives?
8:37
